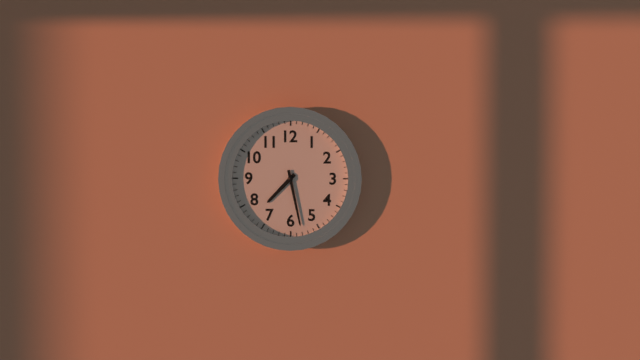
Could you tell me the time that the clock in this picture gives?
7:28
